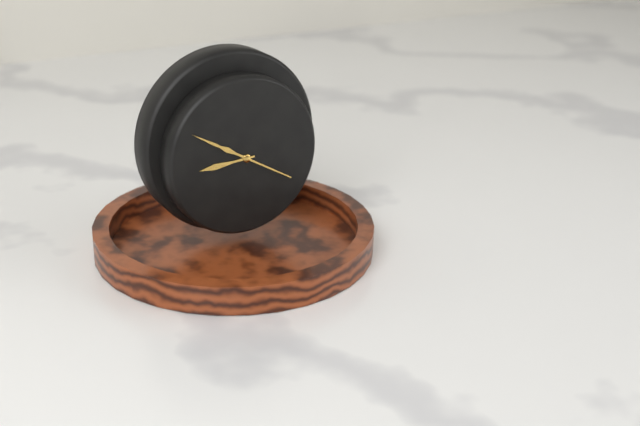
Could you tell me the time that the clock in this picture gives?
8:50
